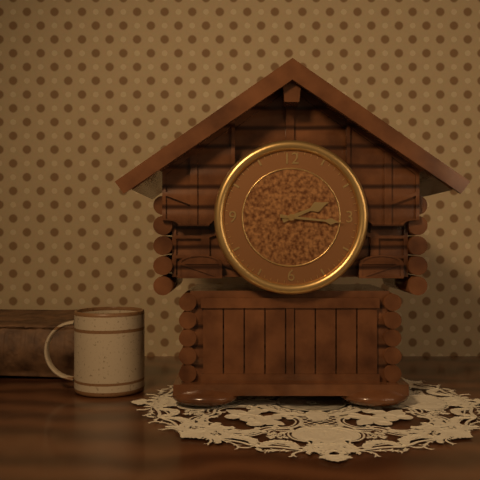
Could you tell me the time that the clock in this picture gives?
2:16
